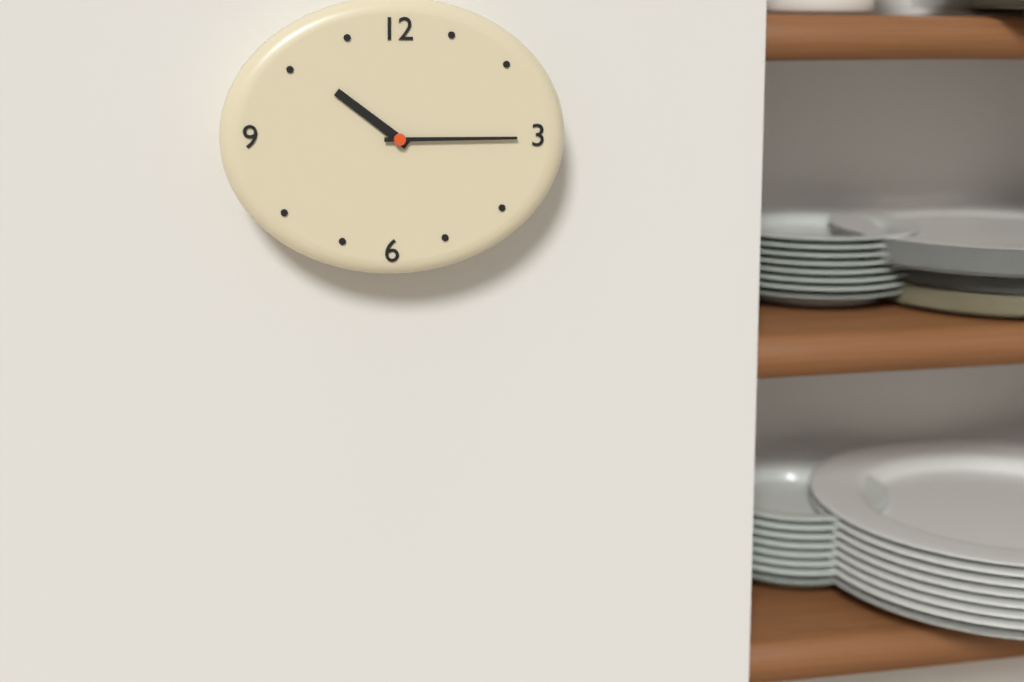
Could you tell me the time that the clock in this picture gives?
10:15
